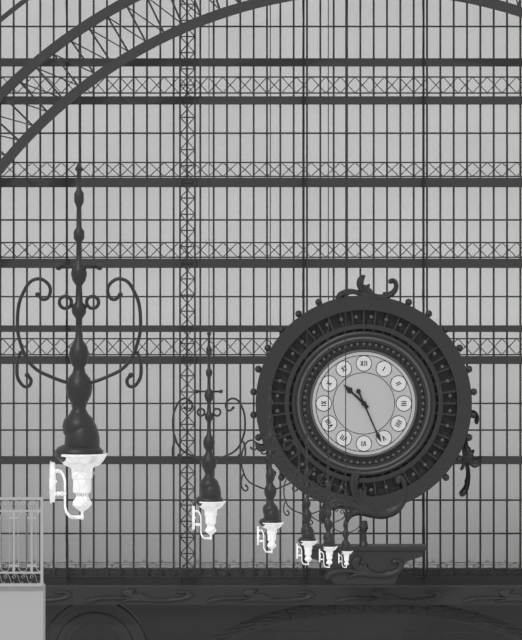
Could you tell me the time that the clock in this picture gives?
10:26
